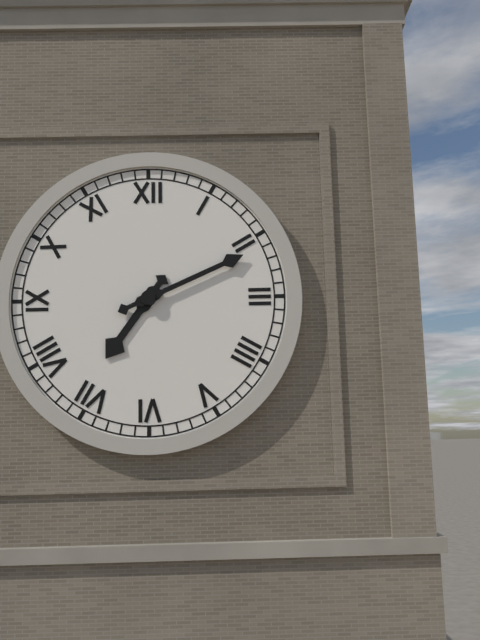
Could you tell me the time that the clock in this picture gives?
7:11
